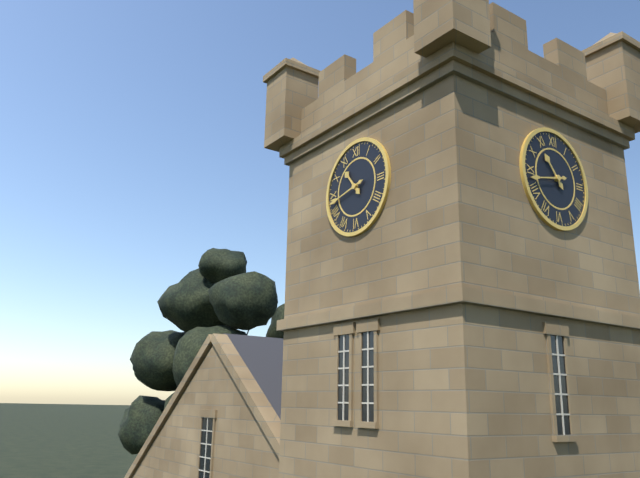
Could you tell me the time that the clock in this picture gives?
10:43
